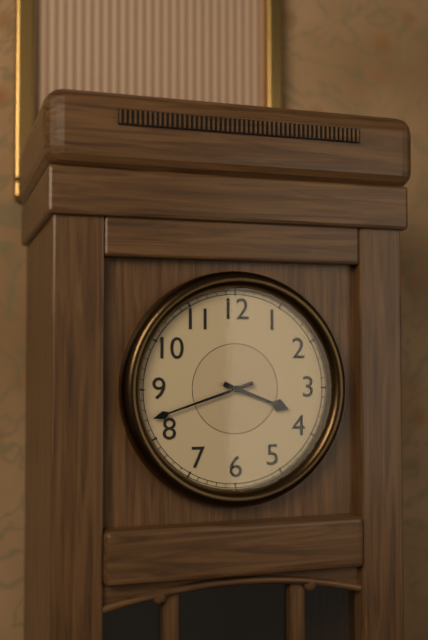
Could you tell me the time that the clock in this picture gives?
3:42
